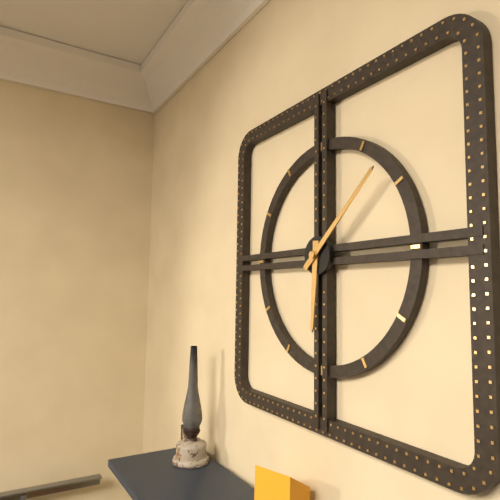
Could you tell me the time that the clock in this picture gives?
6:08
